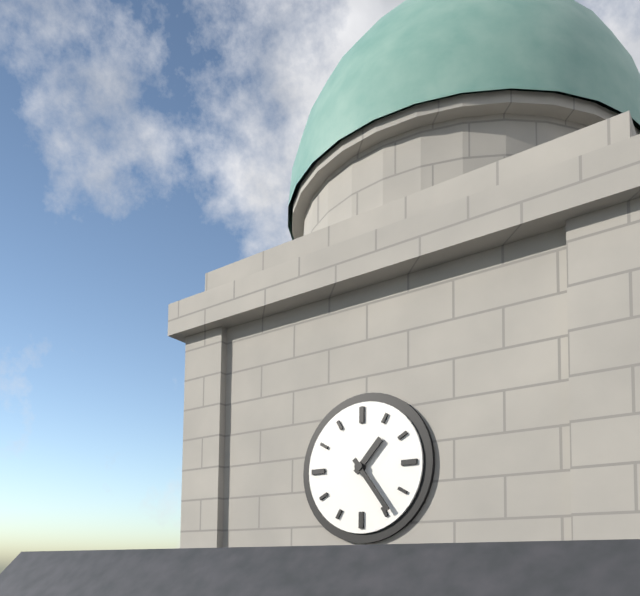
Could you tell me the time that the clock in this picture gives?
1:24
